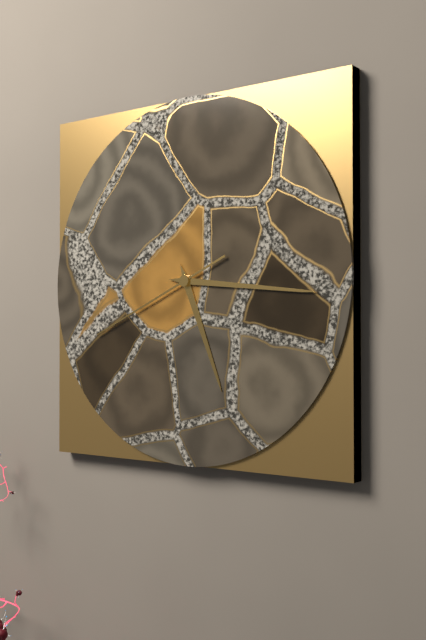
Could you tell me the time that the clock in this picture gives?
5:16:41
